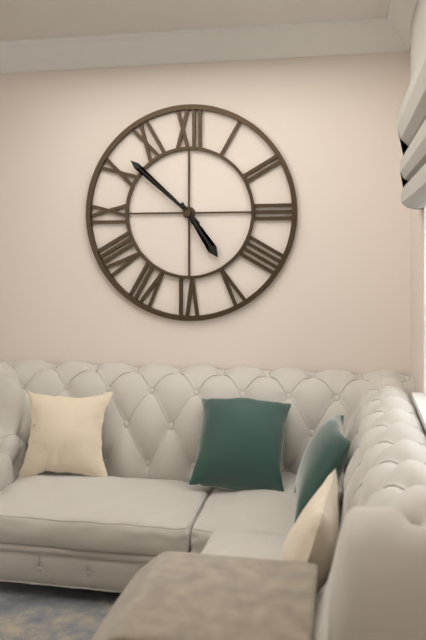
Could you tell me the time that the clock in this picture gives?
4:52
